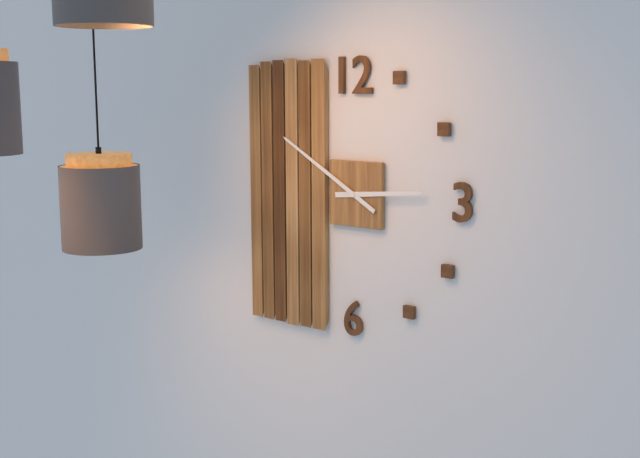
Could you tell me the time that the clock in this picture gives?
2:50
